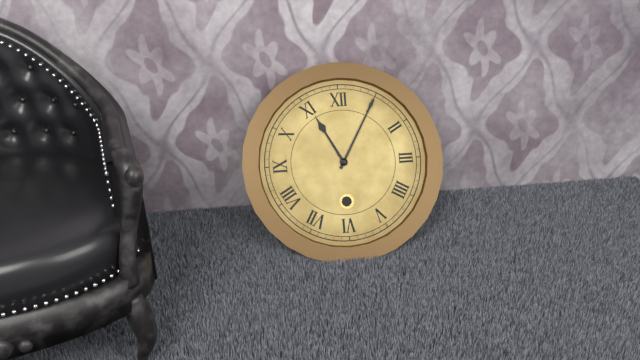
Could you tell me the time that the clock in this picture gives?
11:05
